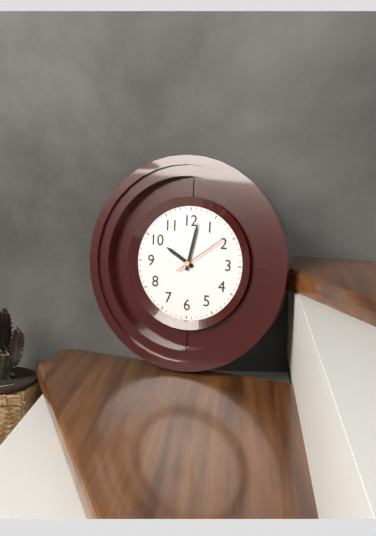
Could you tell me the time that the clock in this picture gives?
10:02:09
